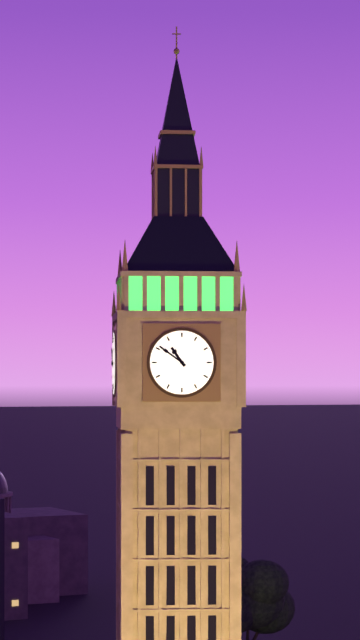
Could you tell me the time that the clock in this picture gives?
10:51
